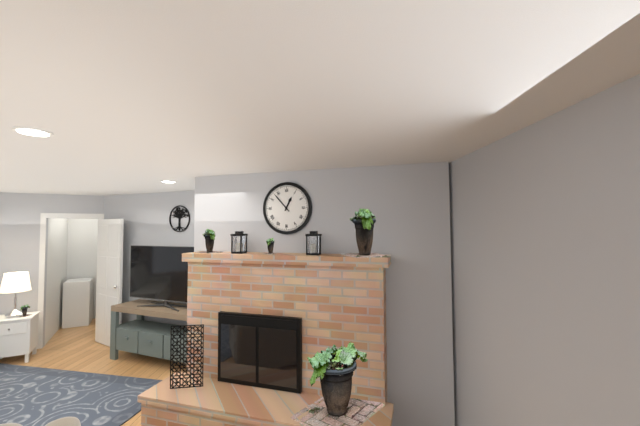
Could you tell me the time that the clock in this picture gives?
12:53
